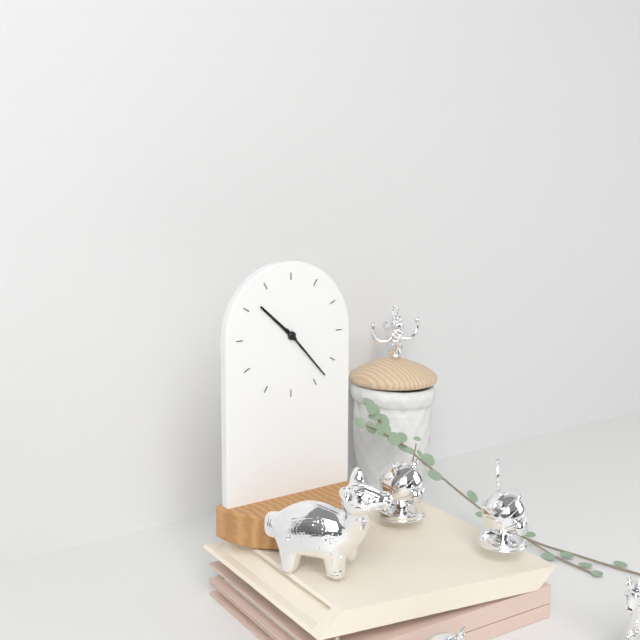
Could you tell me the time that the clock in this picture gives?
10:23
